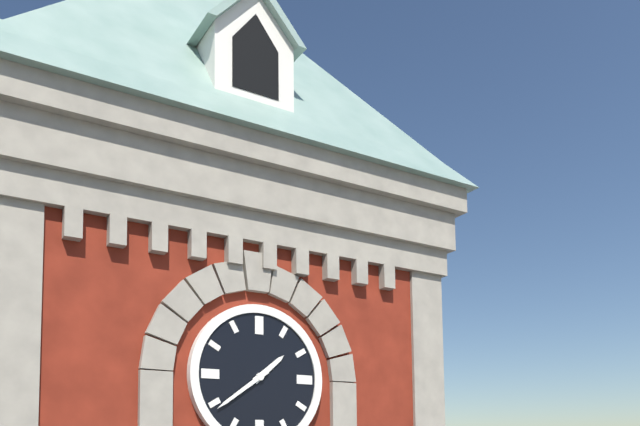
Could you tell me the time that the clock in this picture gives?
1:39
